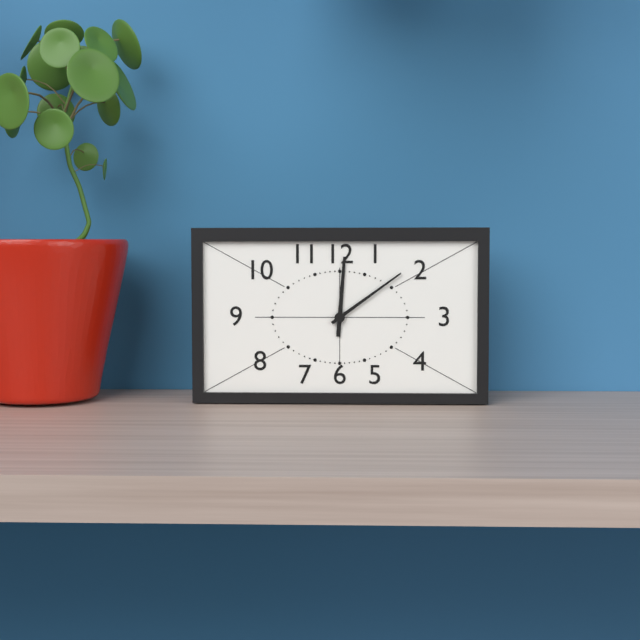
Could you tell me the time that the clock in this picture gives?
12:09
